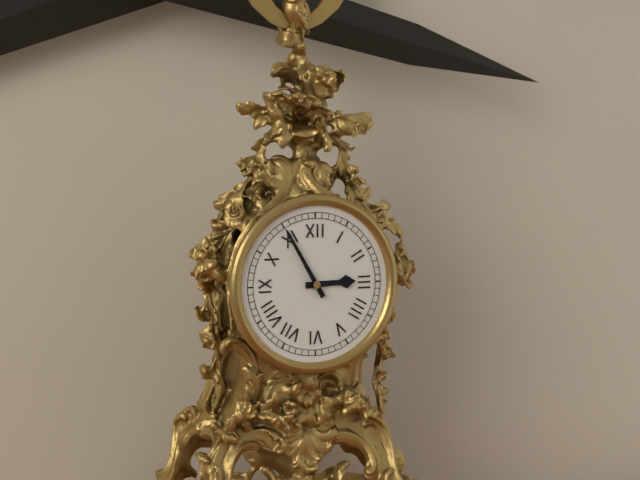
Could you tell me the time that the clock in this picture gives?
2:55
